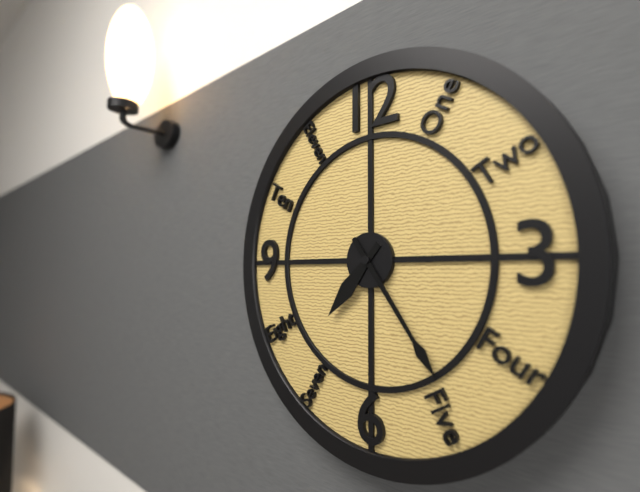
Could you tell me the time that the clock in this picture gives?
7:24
